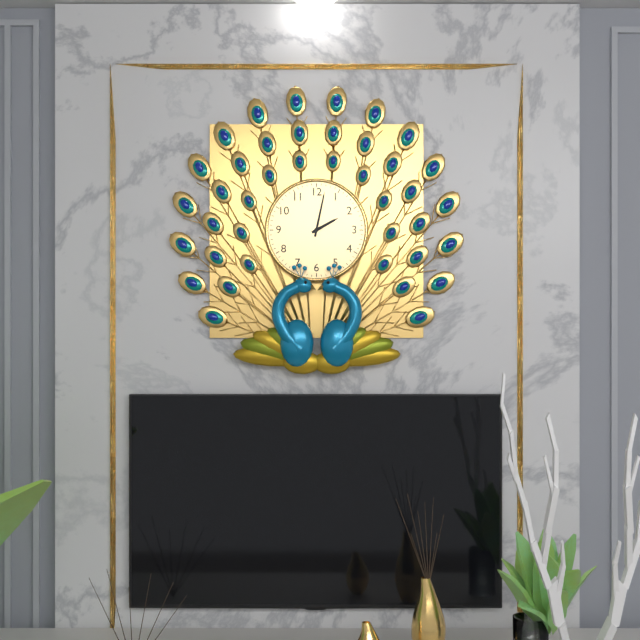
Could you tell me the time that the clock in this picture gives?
2:02
